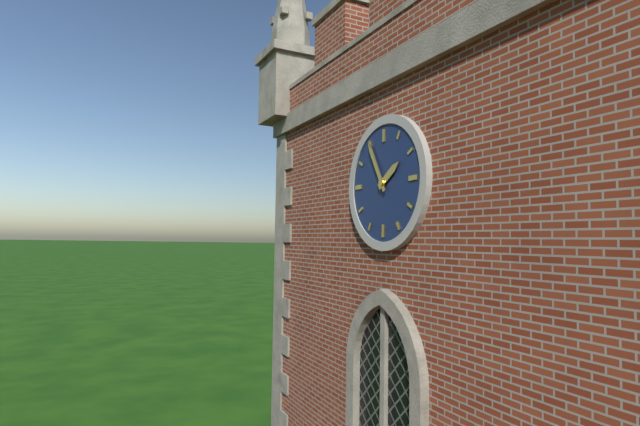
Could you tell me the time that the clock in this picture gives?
1:55
